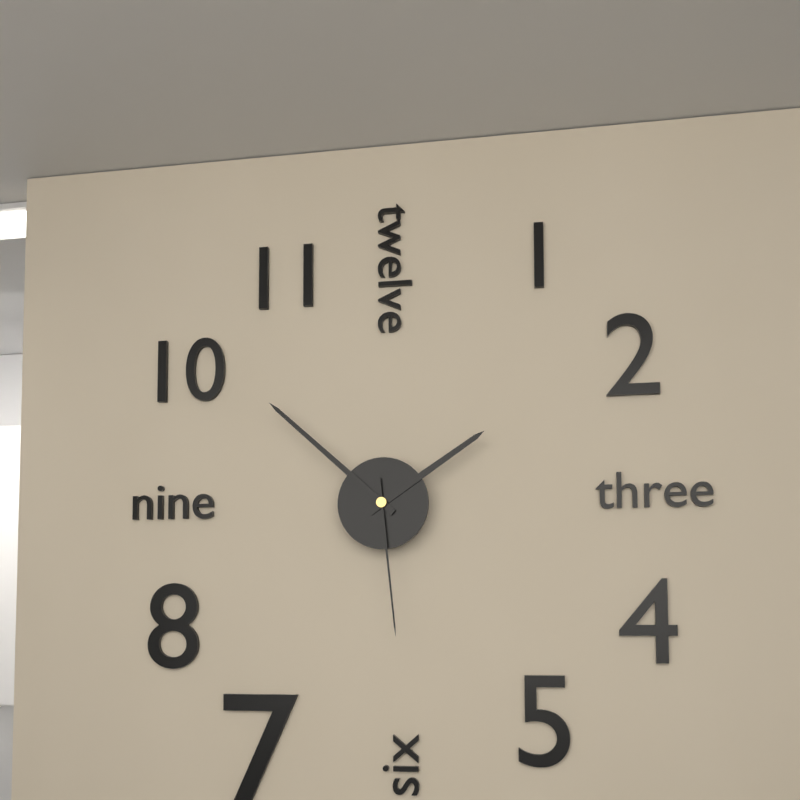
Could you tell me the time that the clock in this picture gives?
1:52:29
